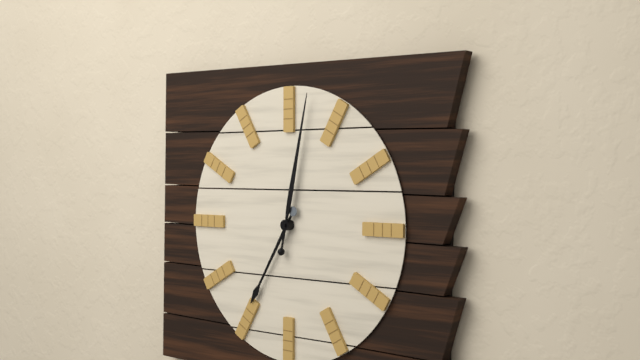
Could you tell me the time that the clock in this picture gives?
7:02
